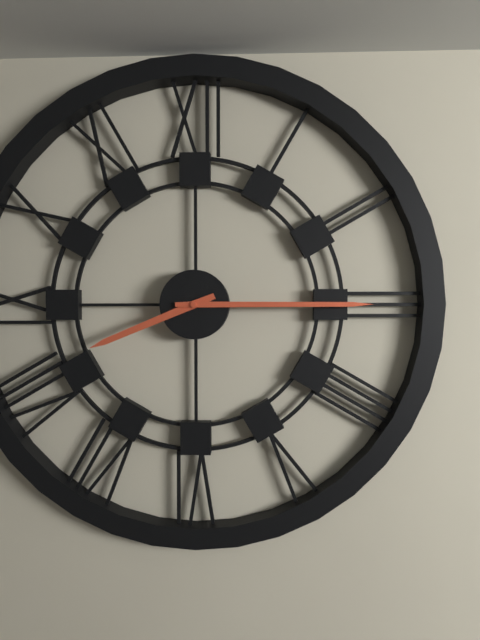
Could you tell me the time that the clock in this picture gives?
8:15
